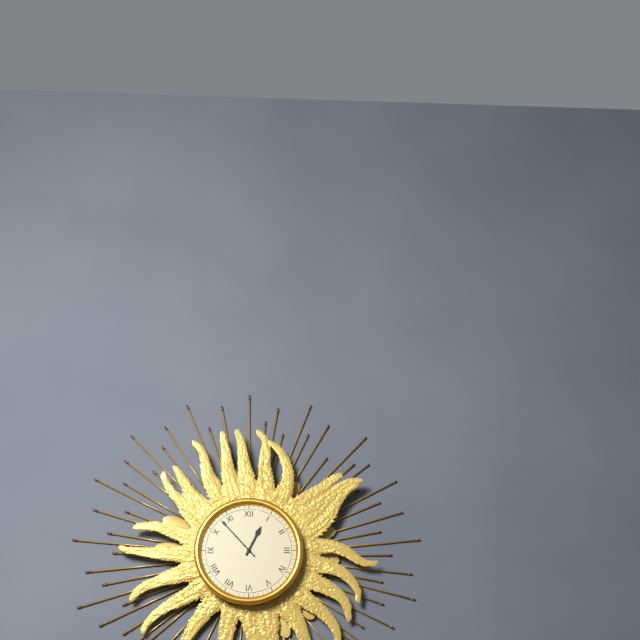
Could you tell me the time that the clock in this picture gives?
12:53
